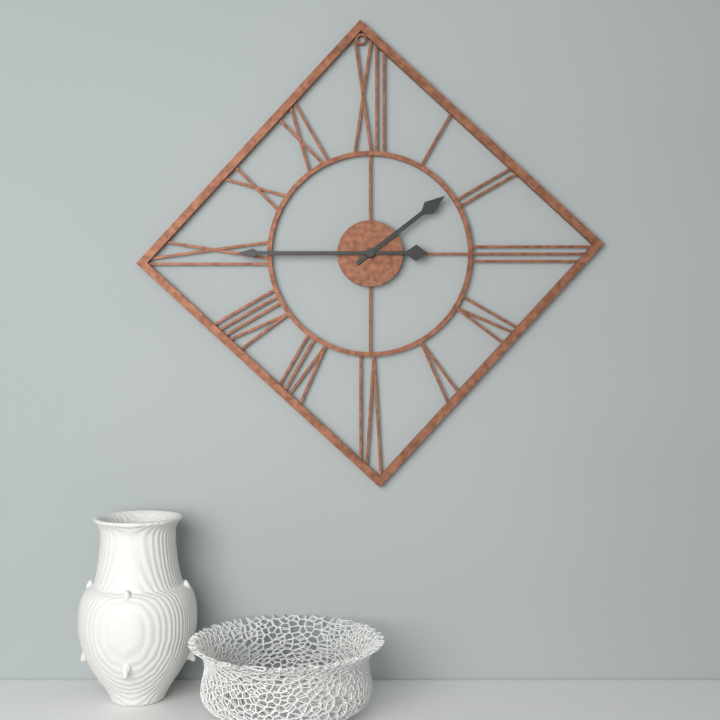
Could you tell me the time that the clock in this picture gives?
1:45
